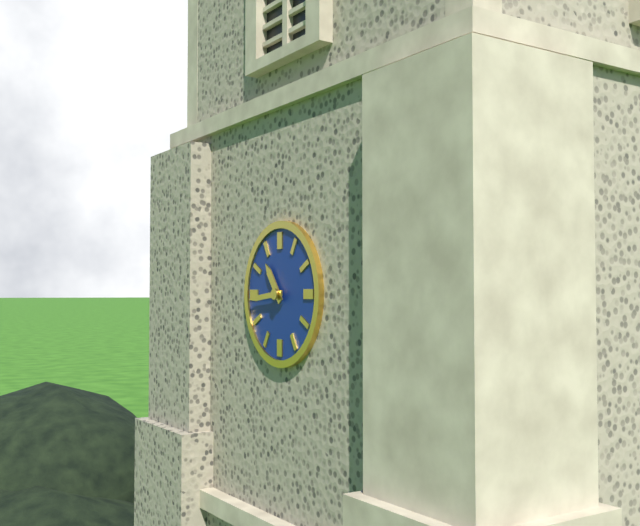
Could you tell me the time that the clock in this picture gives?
10:44
